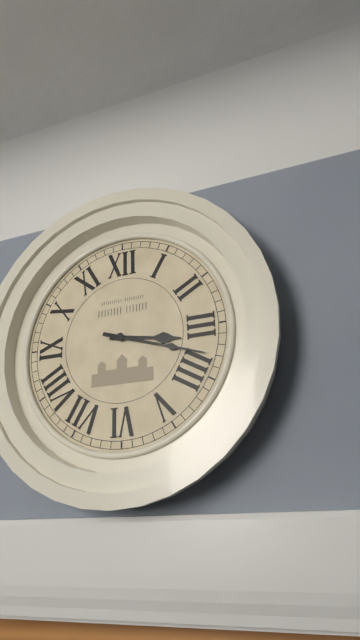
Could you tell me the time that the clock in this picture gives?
3:18
